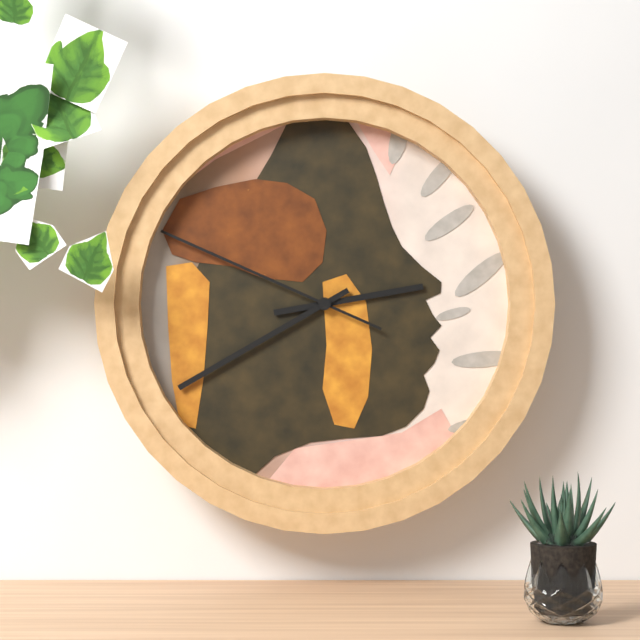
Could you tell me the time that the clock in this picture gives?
2:40:49
